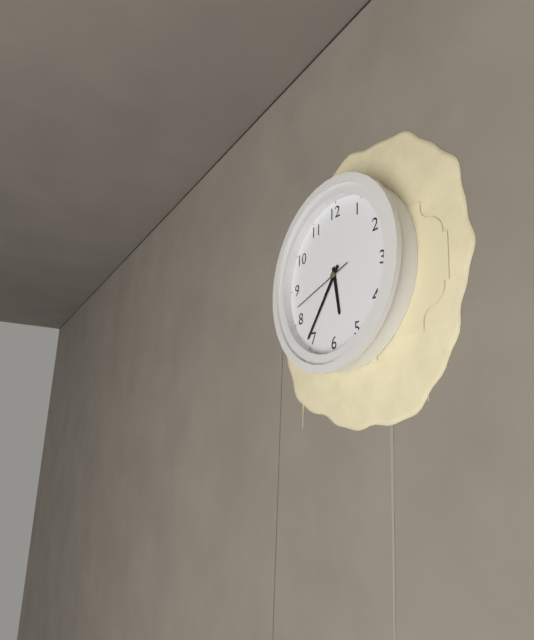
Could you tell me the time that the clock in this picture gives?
5:36:42
